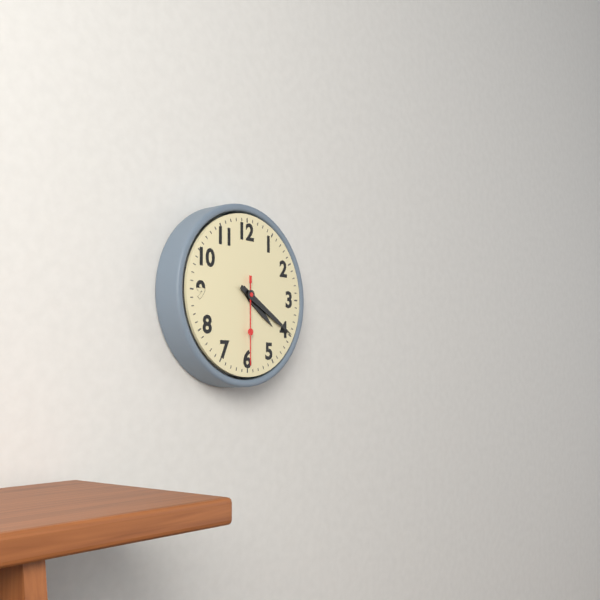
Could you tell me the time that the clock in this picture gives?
4:20:30
